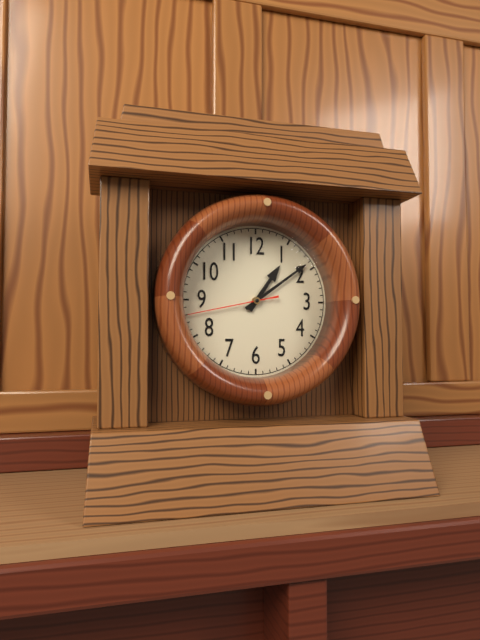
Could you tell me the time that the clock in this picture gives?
1:09:43
